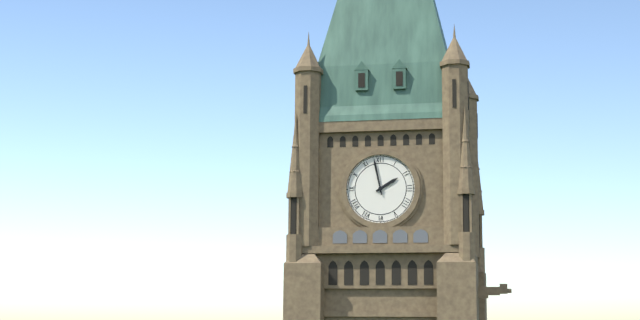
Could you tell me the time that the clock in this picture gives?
1:58
